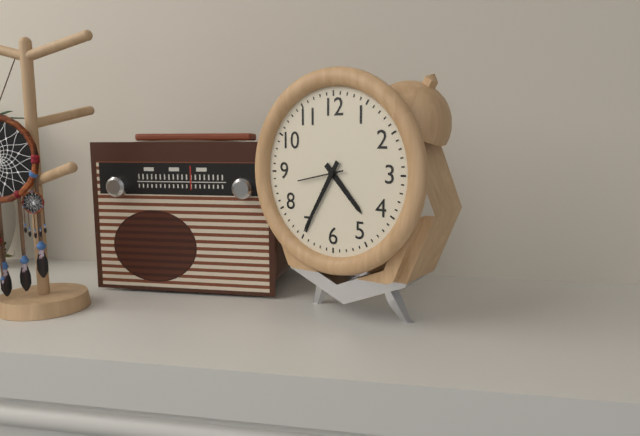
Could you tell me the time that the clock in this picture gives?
4:35
